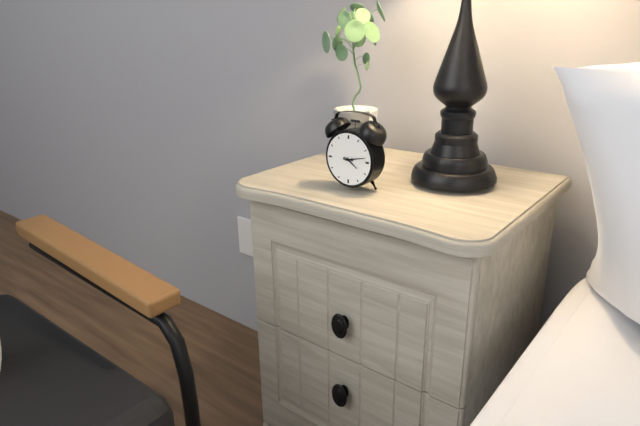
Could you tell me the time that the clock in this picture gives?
4:13
